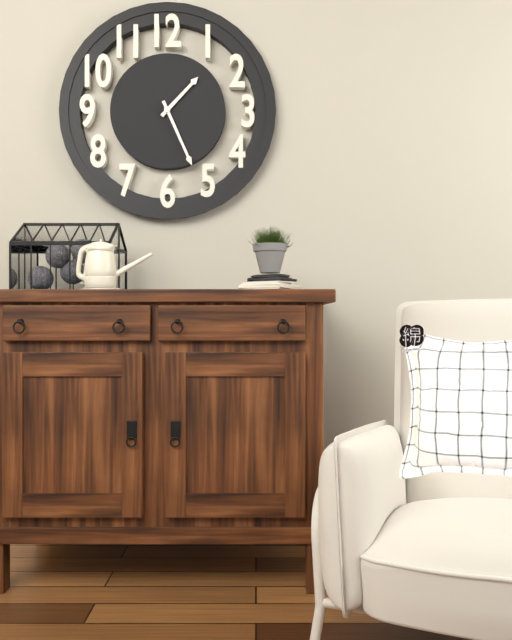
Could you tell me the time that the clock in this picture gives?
1:26
